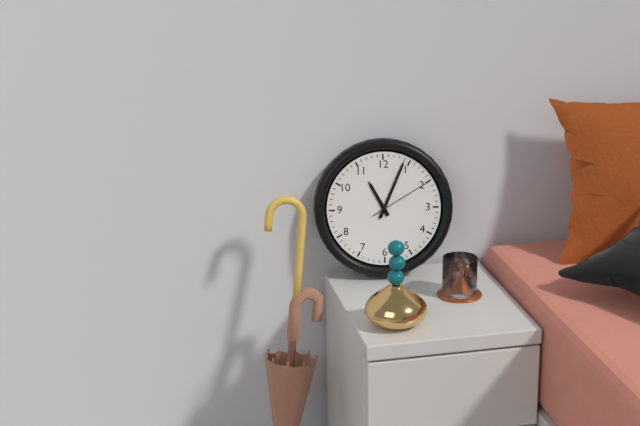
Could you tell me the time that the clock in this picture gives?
11:04:10
